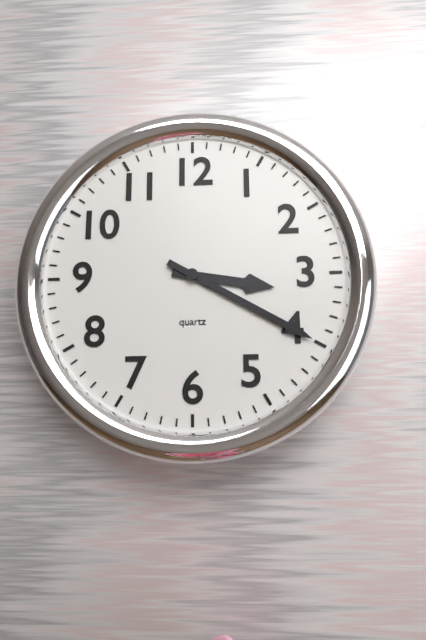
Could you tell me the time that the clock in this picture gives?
3:20
